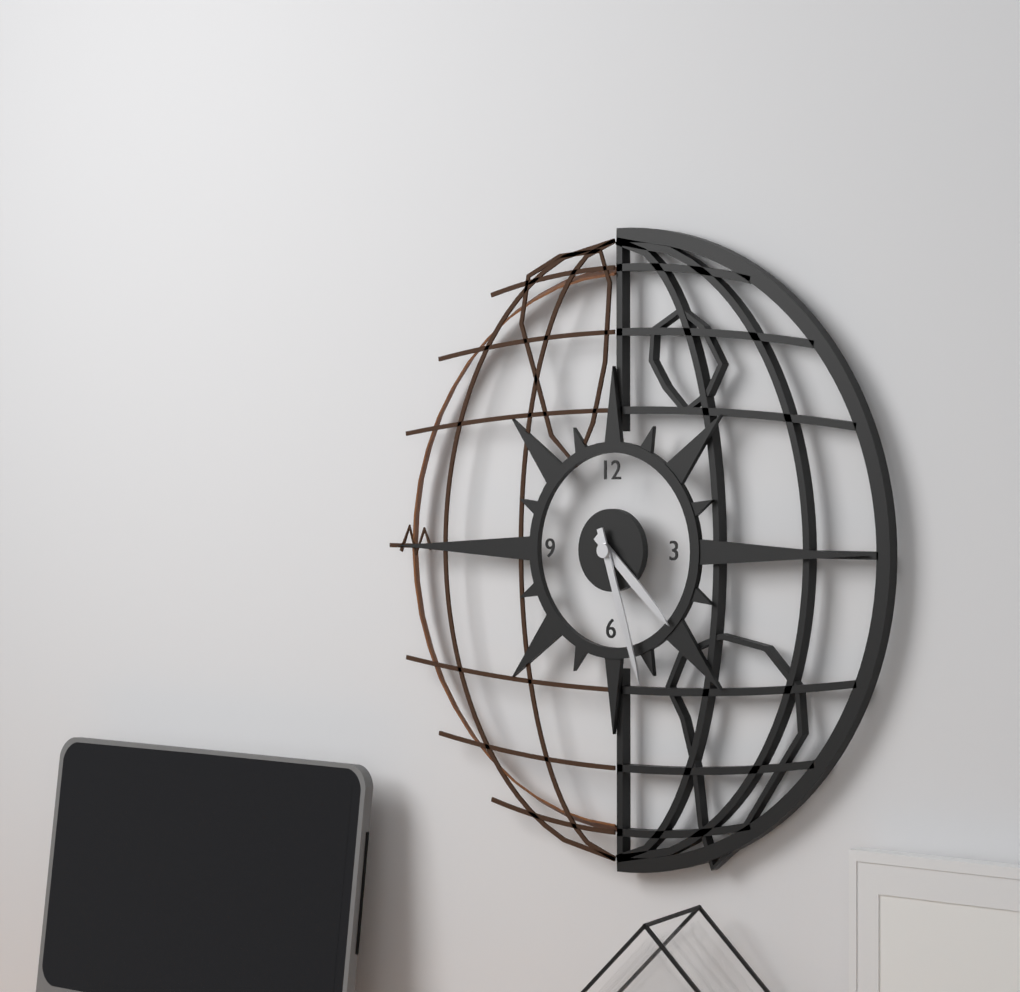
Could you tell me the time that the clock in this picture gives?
4:27
